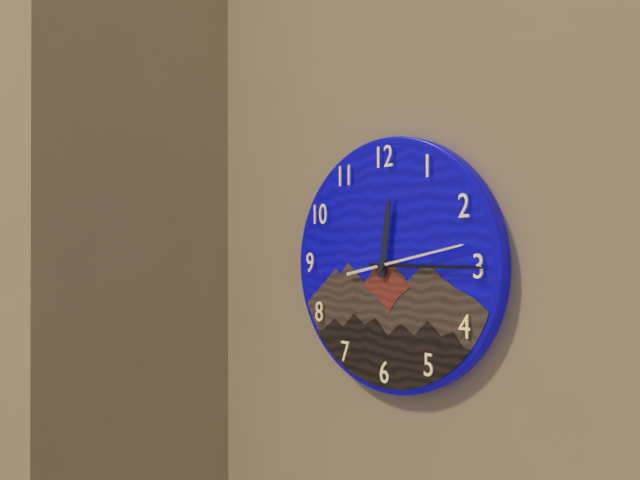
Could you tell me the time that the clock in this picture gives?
12:15:13
